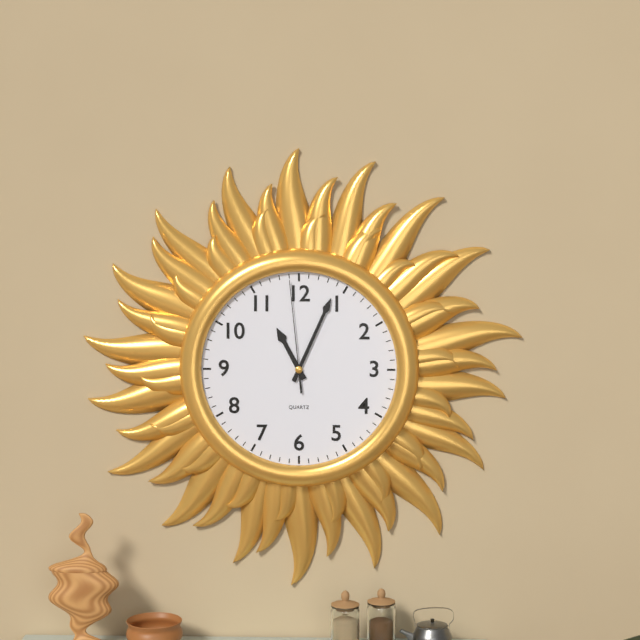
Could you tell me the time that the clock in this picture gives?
11:04:59
